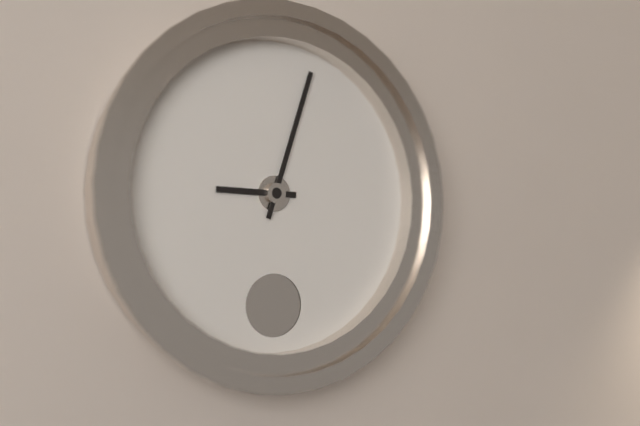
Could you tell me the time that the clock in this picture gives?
9:03
